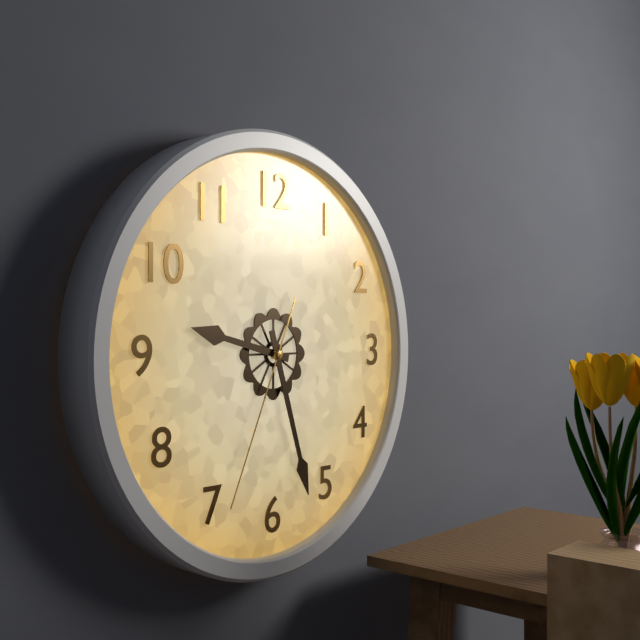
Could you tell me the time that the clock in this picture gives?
9:27:34
